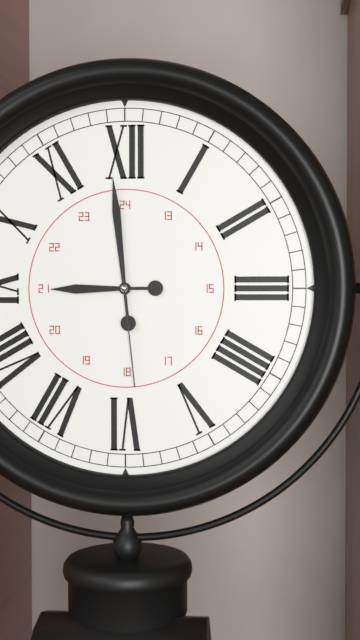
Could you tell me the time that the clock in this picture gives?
8:59:29
